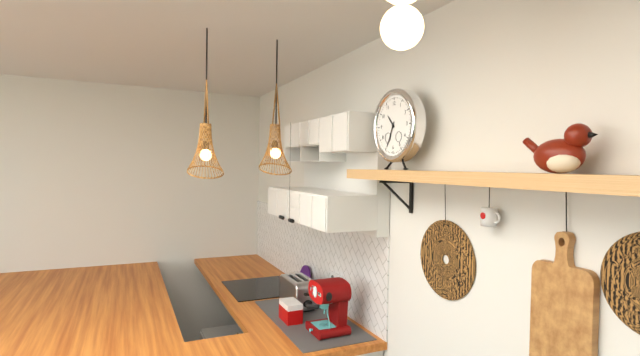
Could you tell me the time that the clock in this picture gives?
10:34
